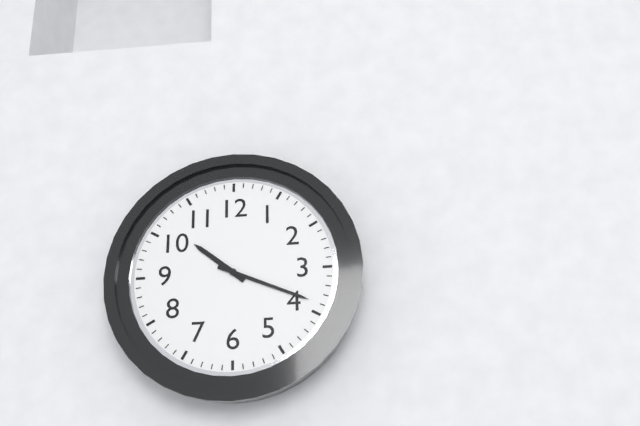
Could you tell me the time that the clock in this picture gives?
10:19
